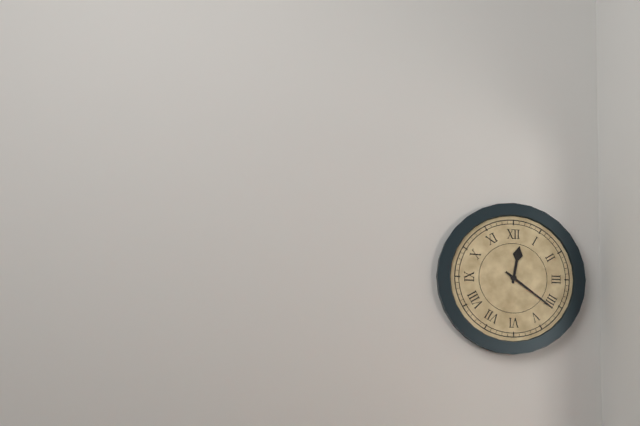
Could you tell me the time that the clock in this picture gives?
12:21
